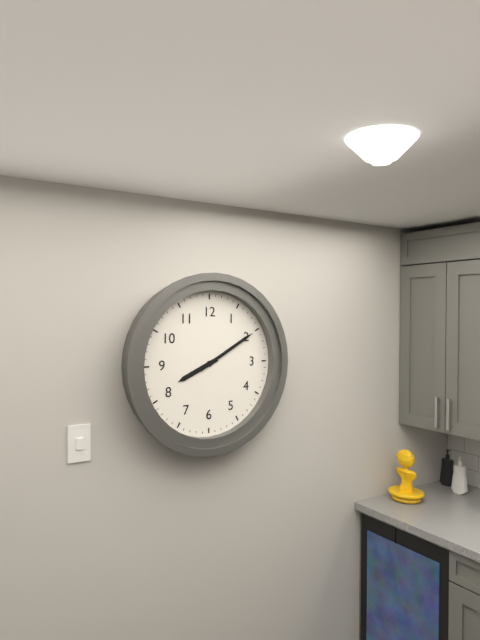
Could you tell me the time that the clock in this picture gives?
8:10
